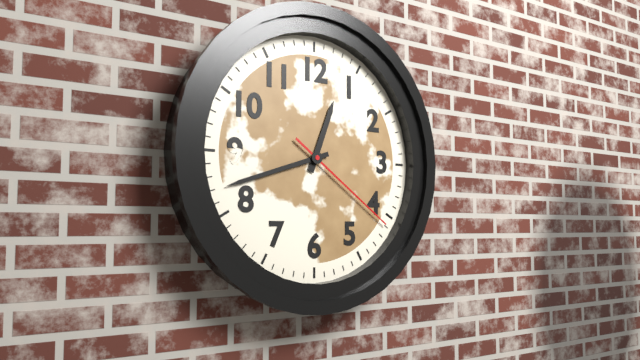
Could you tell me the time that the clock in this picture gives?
12:42:21
